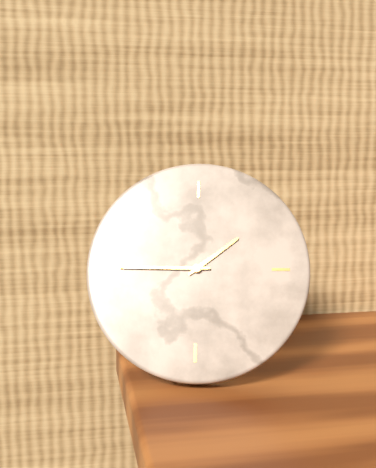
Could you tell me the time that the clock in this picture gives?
1:45
